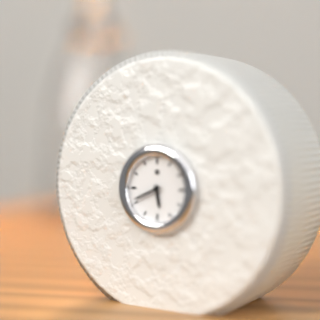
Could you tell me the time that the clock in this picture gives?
5:41
